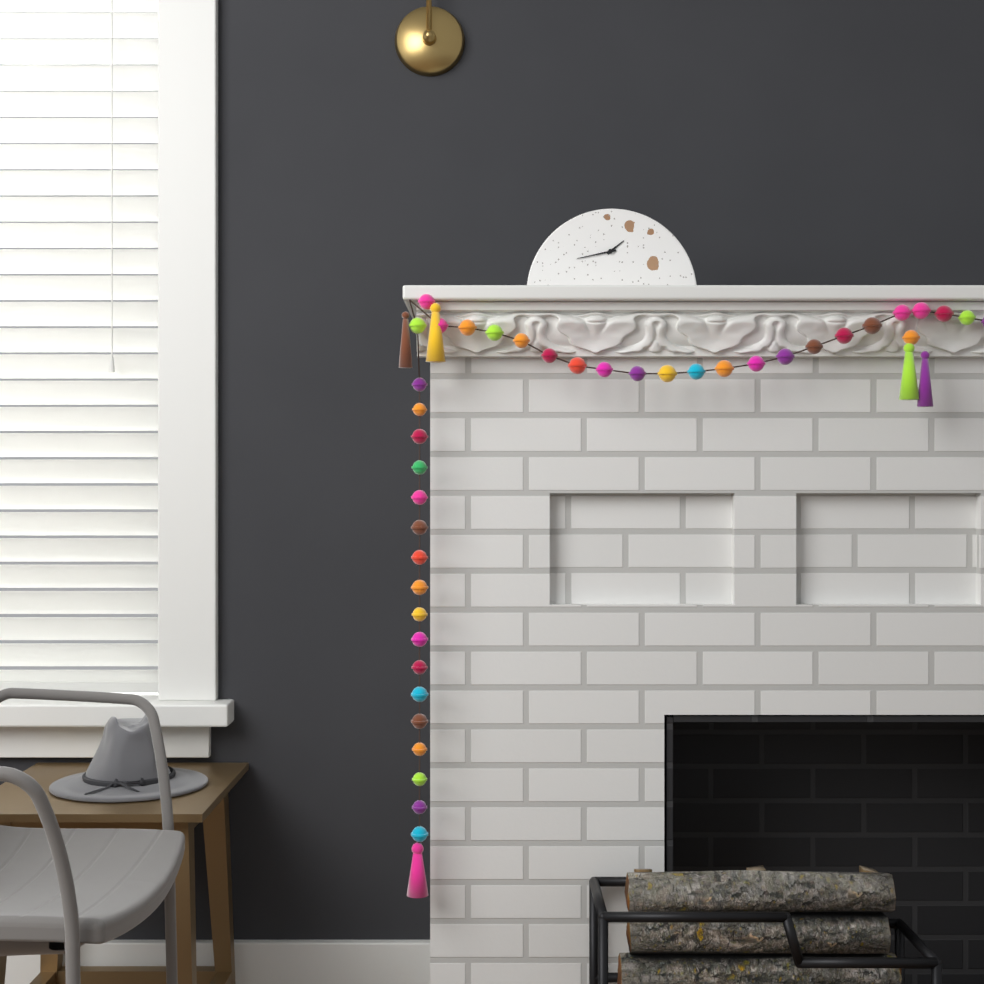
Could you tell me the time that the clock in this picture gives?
1:43
